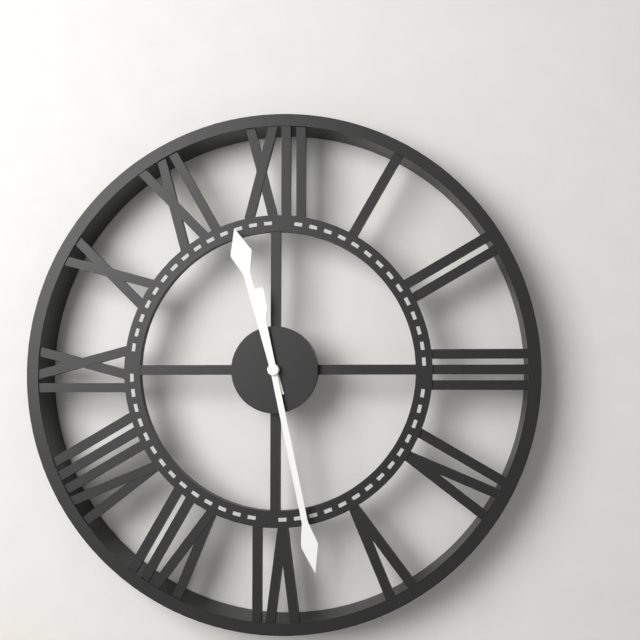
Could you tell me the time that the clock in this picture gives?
11:28
